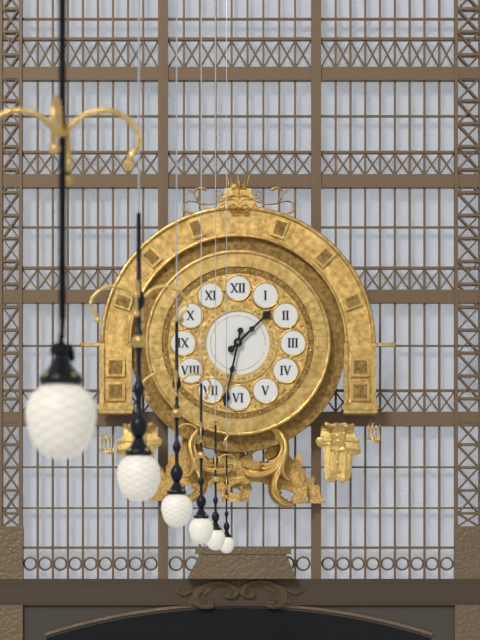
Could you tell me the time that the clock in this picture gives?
1:32
